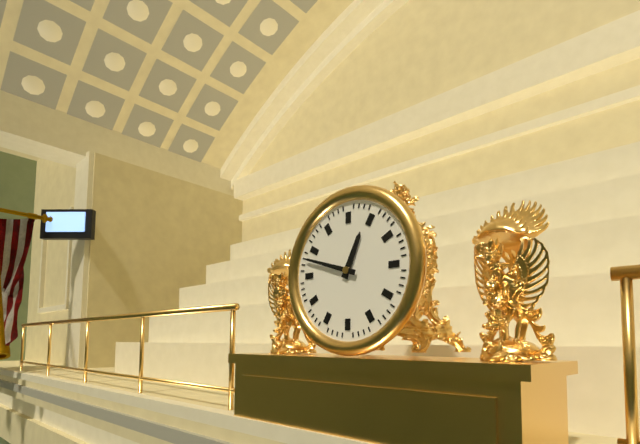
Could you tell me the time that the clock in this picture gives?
12:48
